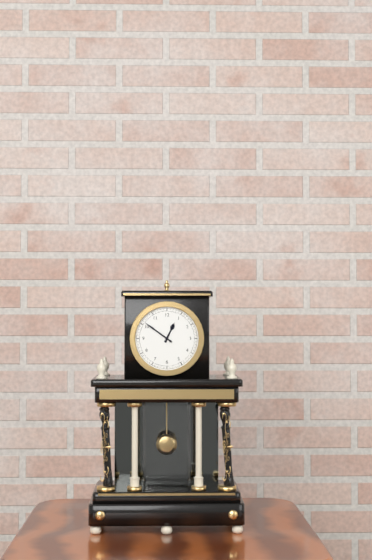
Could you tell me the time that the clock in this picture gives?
12:51
